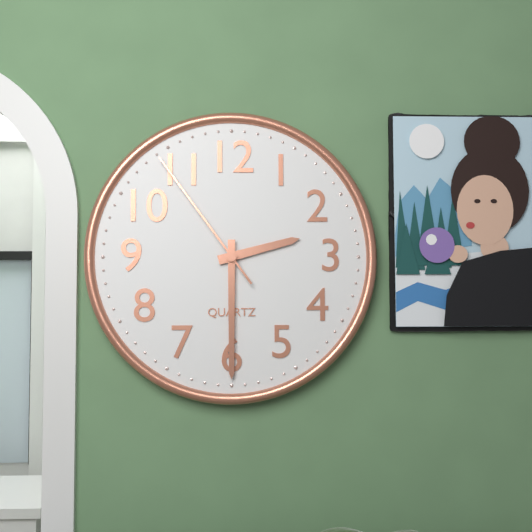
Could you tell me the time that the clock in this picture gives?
2:30:54
